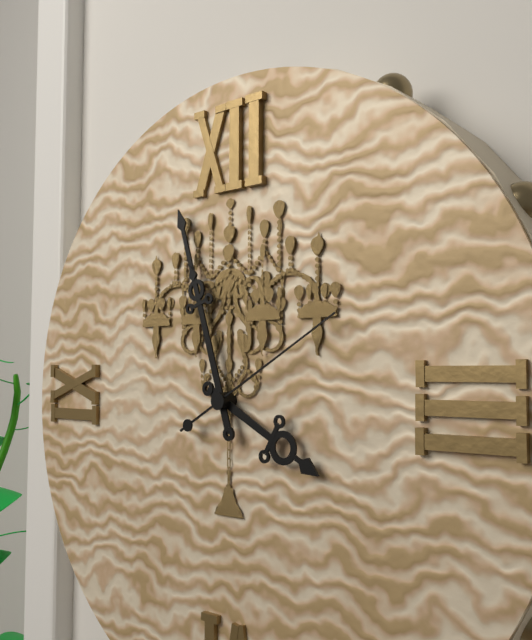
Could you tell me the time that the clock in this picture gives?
3:57:10
